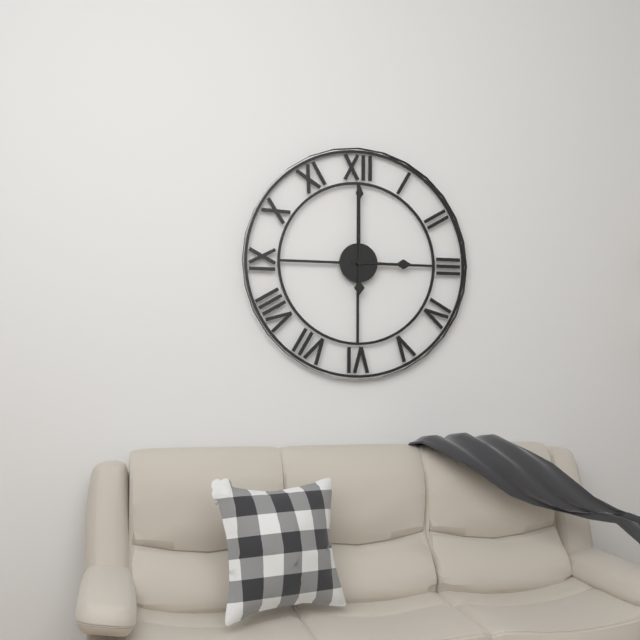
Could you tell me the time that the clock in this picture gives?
3:00
